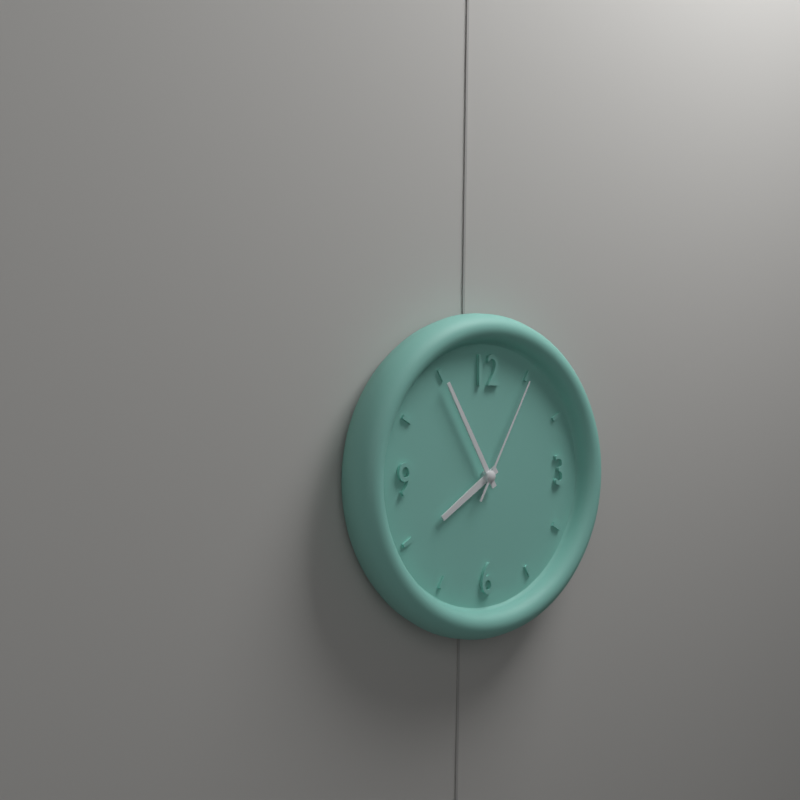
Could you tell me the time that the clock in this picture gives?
7:55:05
